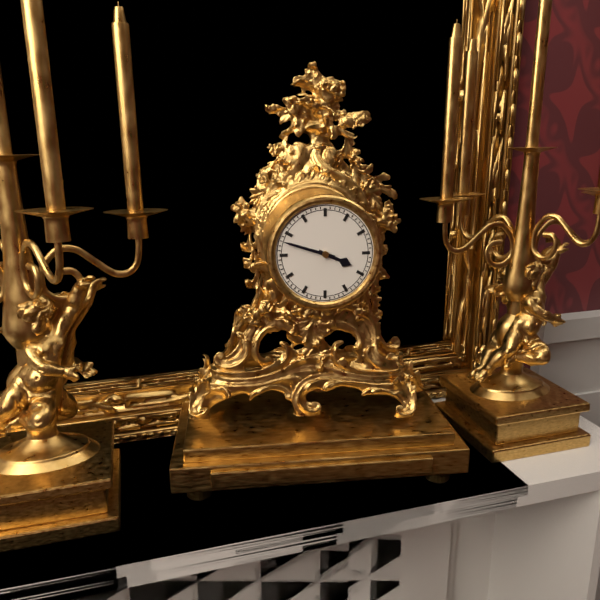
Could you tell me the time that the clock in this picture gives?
3:48
